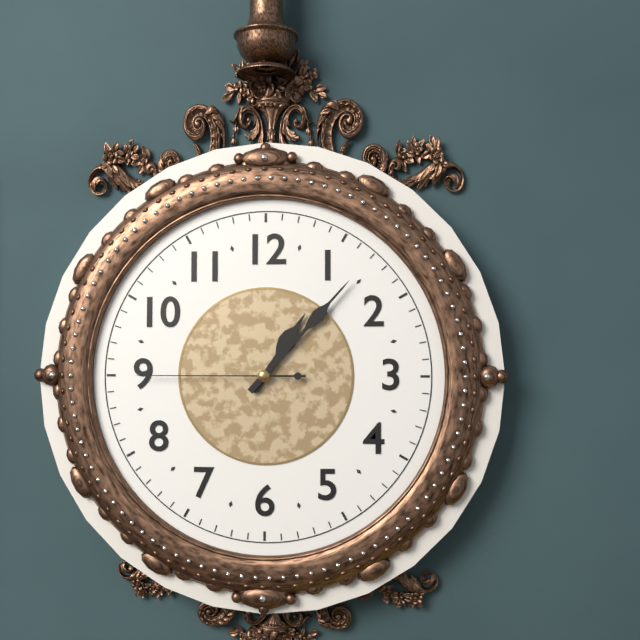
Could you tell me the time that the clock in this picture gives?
1:07:45
